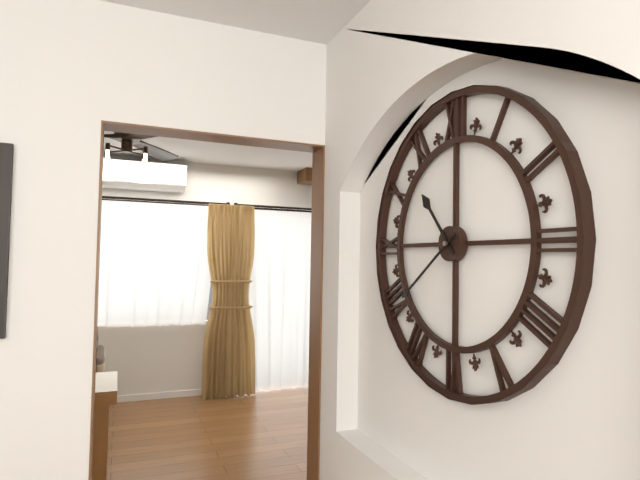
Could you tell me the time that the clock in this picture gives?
10:39
